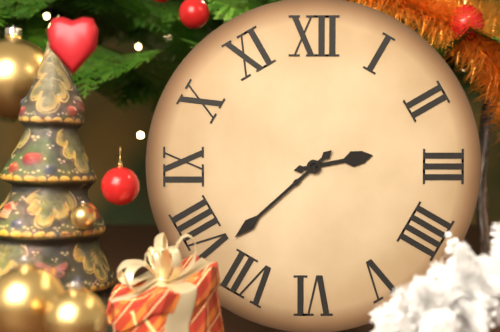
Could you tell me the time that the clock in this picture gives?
2:38
